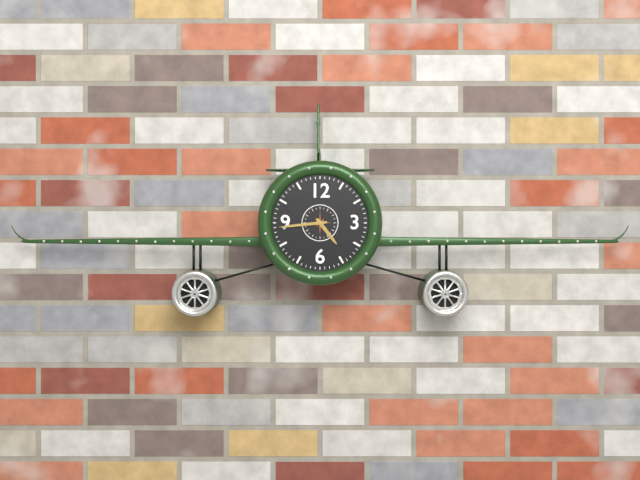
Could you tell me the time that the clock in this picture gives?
4:44
